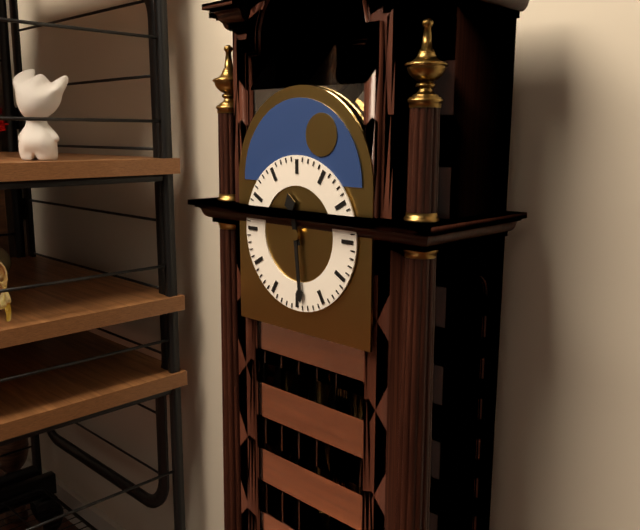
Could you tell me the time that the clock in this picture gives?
11:29
